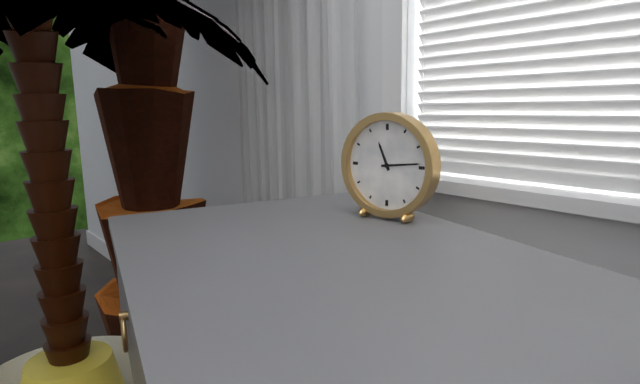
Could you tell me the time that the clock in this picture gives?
11:14
